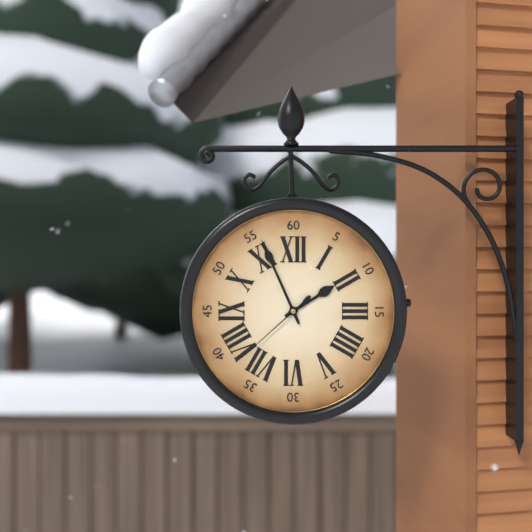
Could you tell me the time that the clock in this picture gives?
1:56:38
